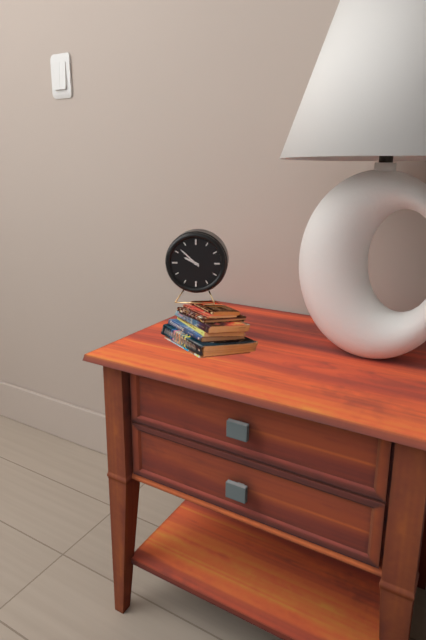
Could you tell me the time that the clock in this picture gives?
9:52
